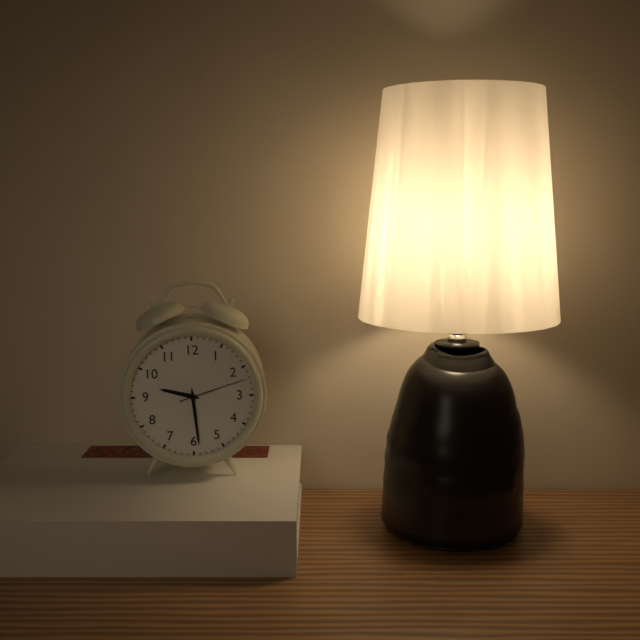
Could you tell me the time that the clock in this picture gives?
9:29:12
